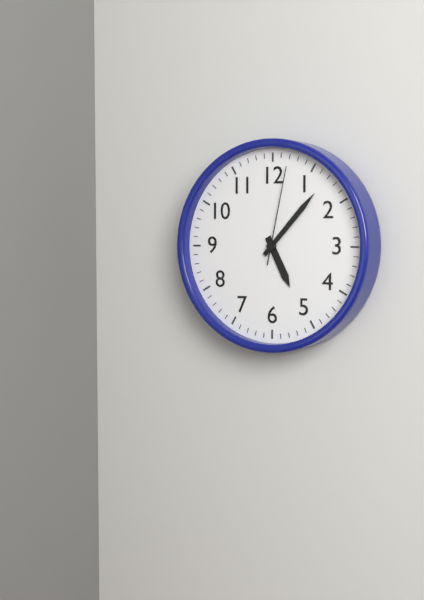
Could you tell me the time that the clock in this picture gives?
5:07:02
